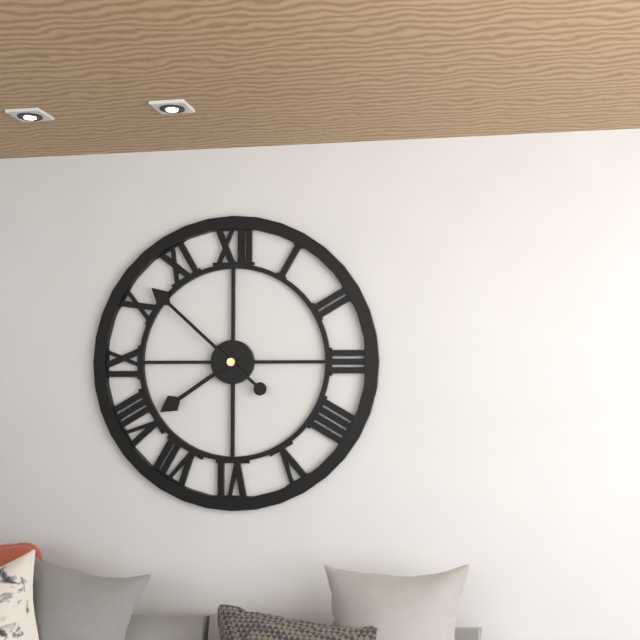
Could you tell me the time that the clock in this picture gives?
7:52
